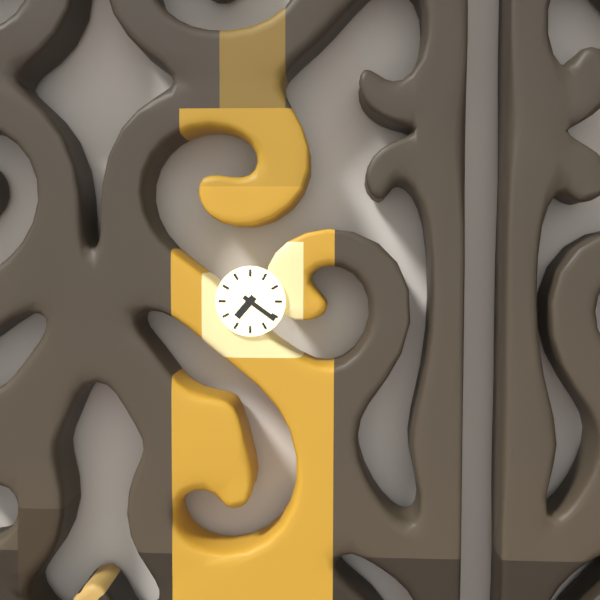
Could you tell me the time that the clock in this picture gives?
7:21
